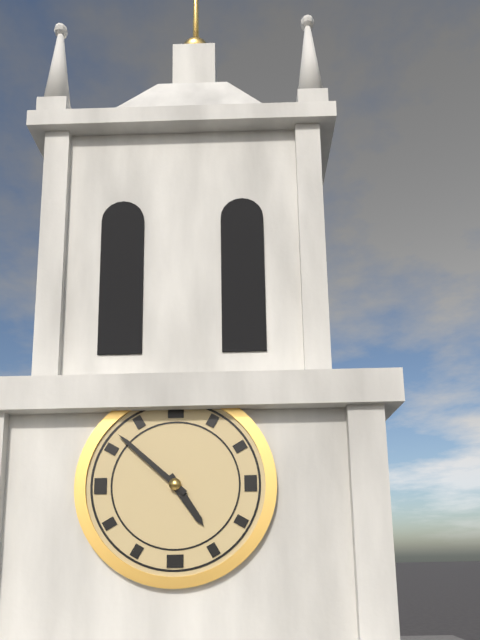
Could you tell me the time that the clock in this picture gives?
4:52
